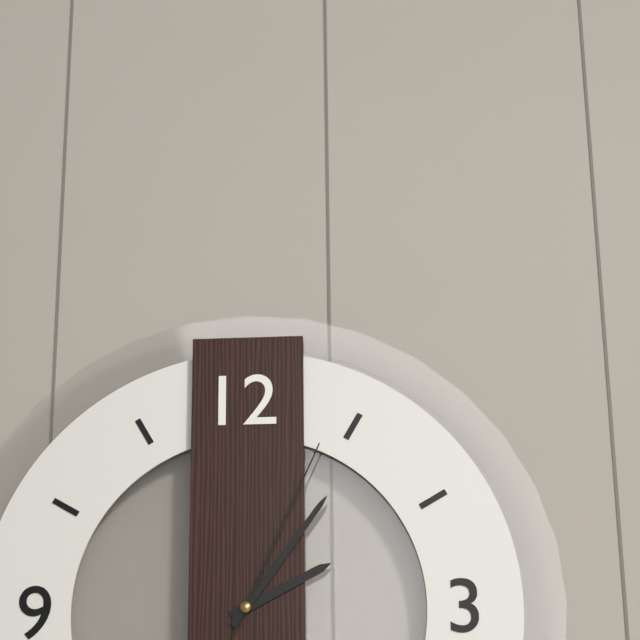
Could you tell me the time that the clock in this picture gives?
2:06:04
